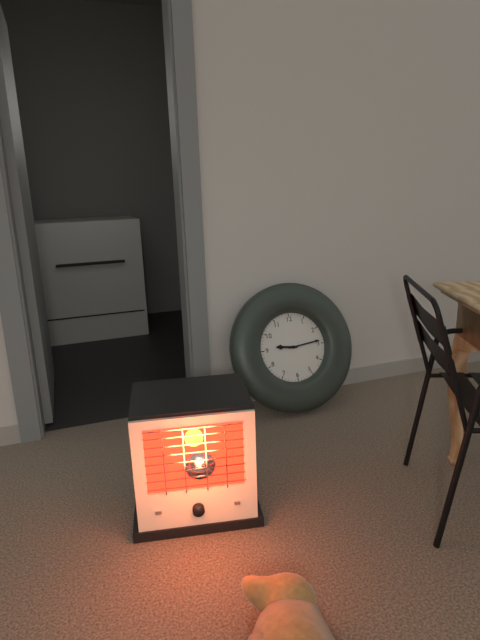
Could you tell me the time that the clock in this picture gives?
9:14
